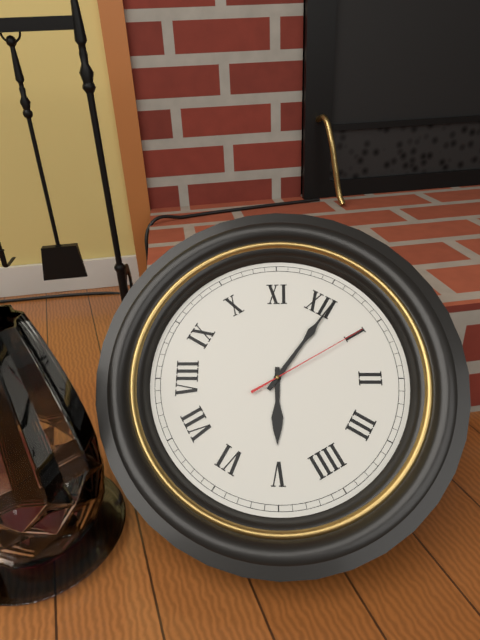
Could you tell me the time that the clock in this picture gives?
5:01:05
